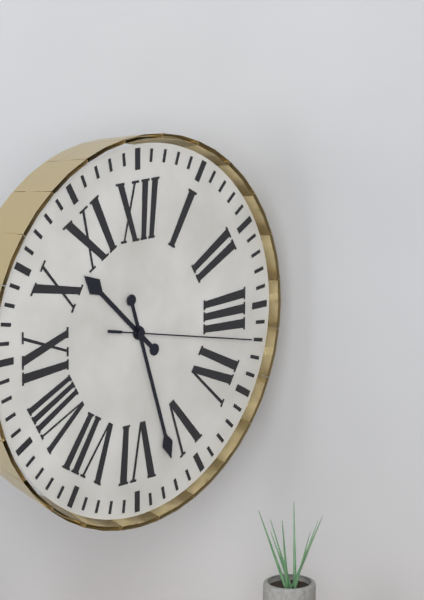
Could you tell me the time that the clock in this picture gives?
10:27:17
